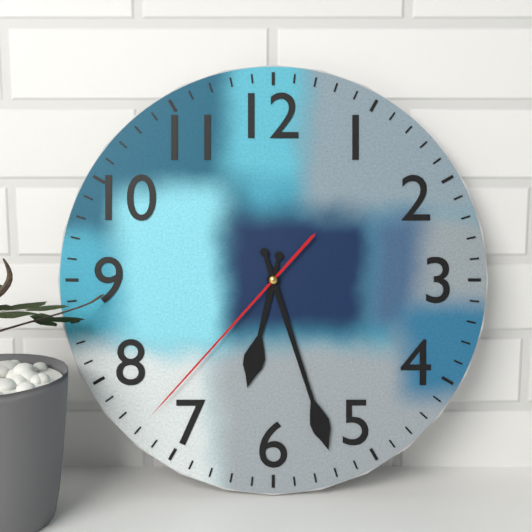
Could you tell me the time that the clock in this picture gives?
6:27:37
